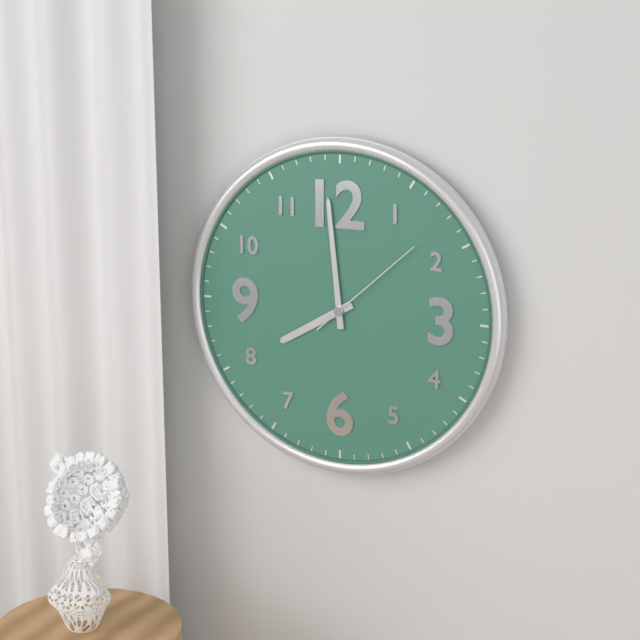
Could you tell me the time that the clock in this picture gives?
7:59:08
